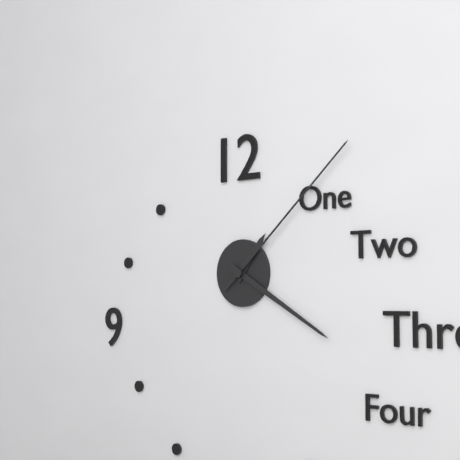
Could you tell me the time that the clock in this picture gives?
1:20:08
